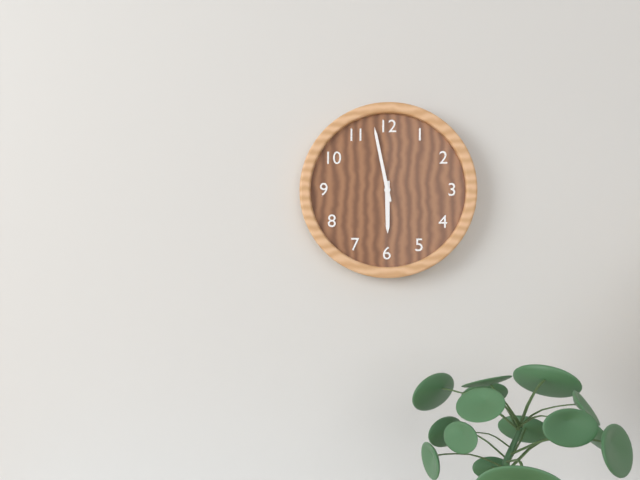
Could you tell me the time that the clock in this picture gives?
5:58
